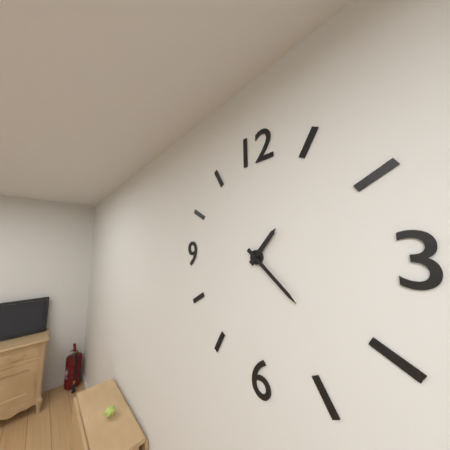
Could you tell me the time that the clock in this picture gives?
1:22
